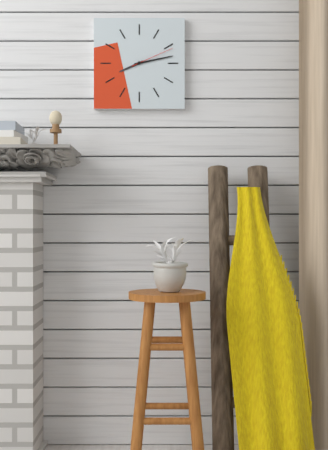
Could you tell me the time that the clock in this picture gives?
8:13
